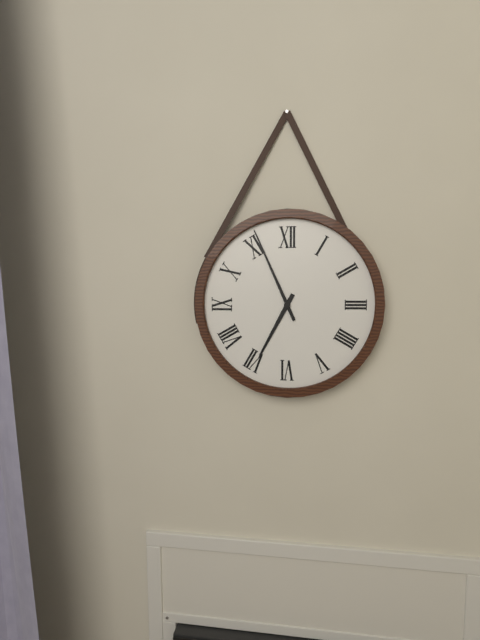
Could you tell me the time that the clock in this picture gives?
6:56
